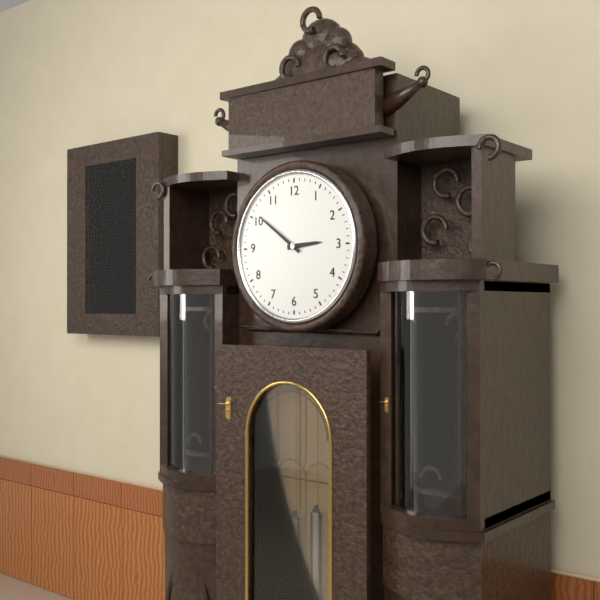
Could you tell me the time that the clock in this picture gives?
2:51
